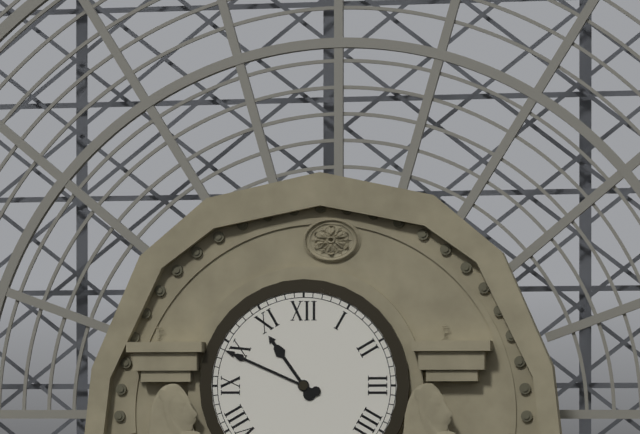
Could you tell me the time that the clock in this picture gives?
10:49
